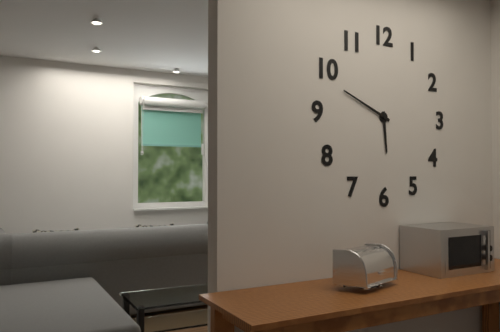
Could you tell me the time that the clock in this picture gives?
5:49
